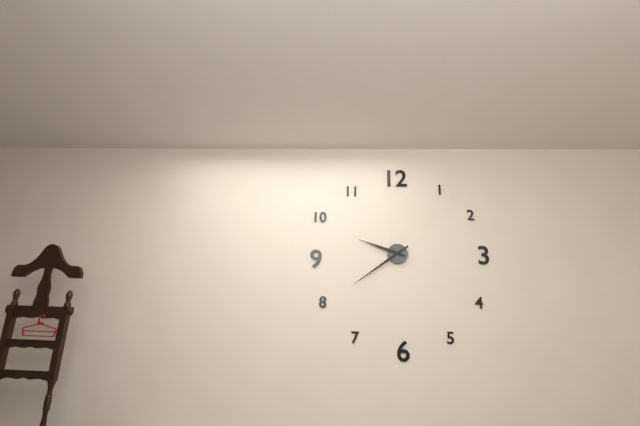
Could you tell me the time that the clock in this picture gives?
9:39
